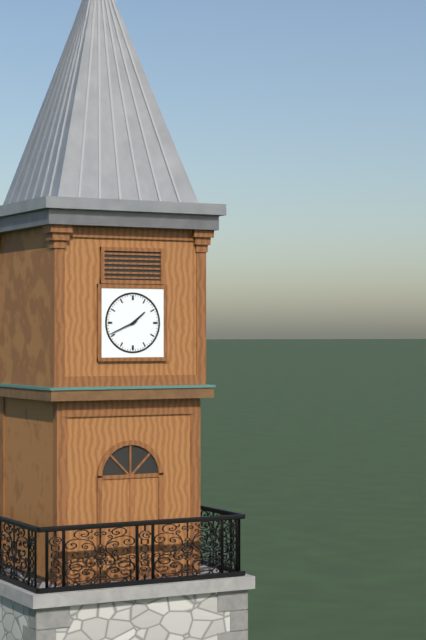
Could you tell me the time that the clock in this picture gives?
1:41
